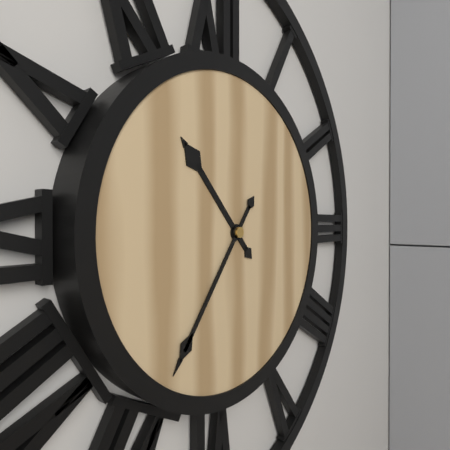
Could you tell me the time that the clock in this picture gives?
10:36
